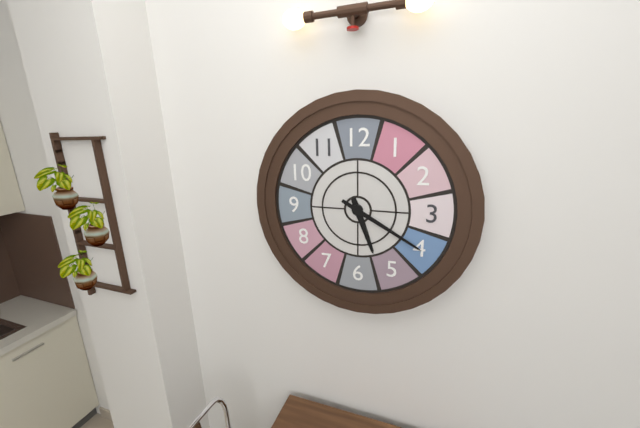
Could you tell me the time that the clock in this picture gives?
5:20
